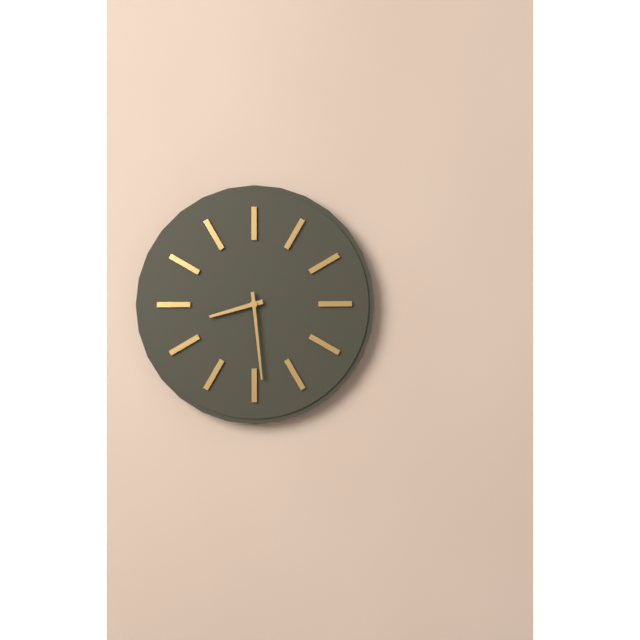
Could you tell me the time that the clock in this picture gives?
8:29
